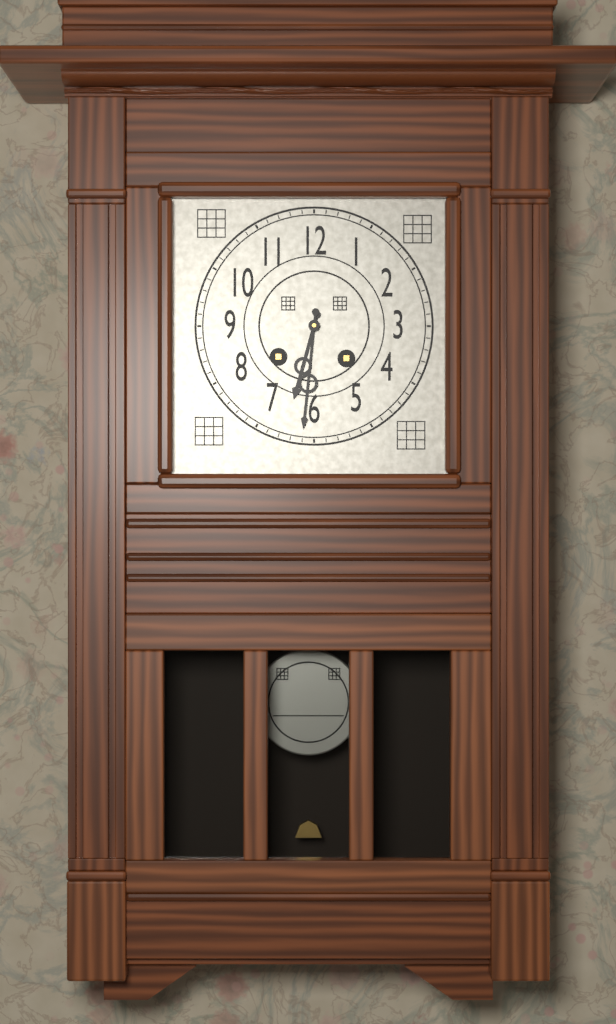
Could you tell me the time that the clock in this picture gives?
6:31
